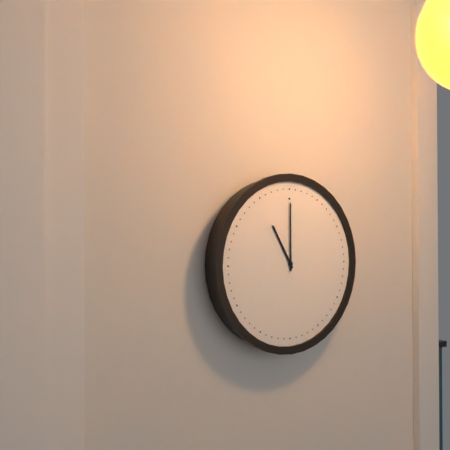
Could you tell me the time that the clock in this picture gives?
11:00
